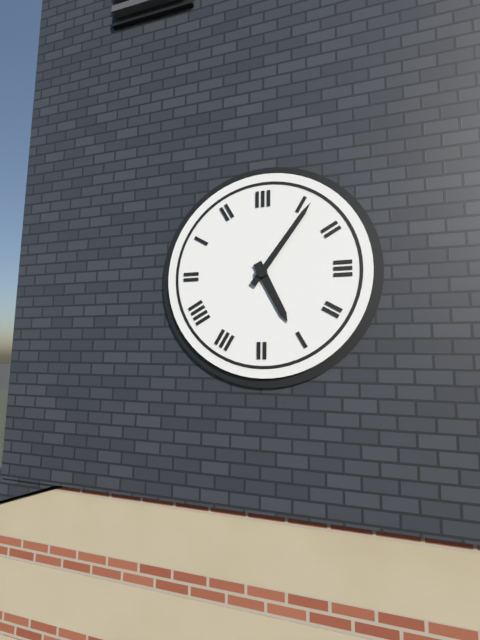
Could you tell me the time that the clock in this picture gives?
5:06
